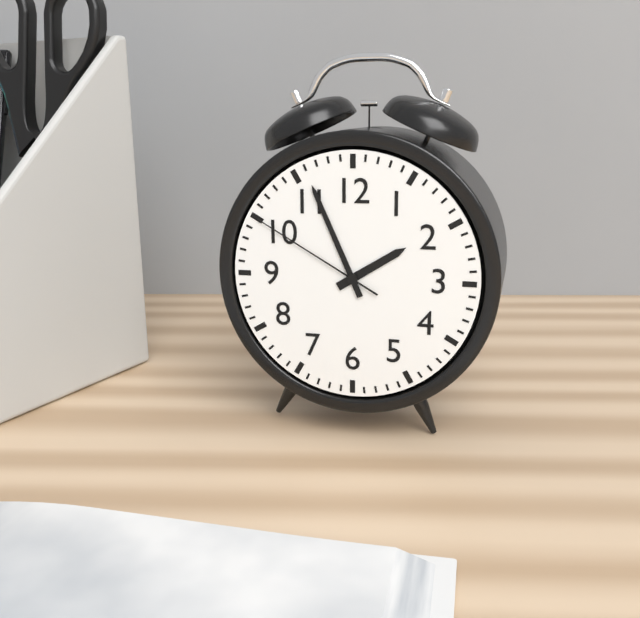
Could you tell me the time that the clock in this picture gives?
1:56:50
